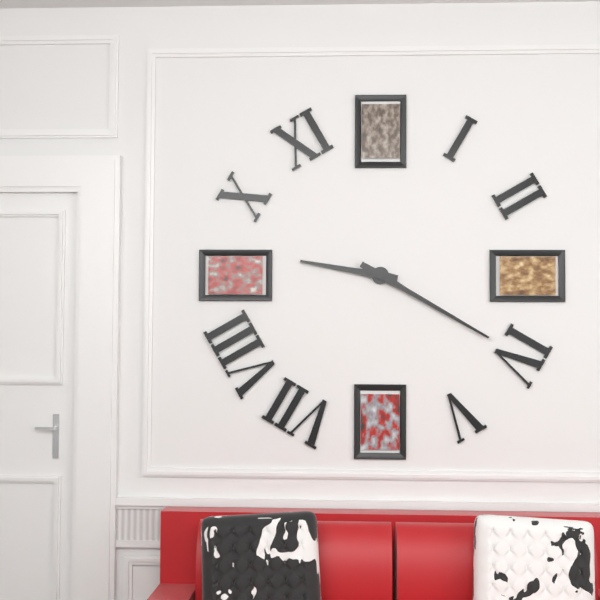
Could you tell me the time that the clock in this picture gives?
9:20
